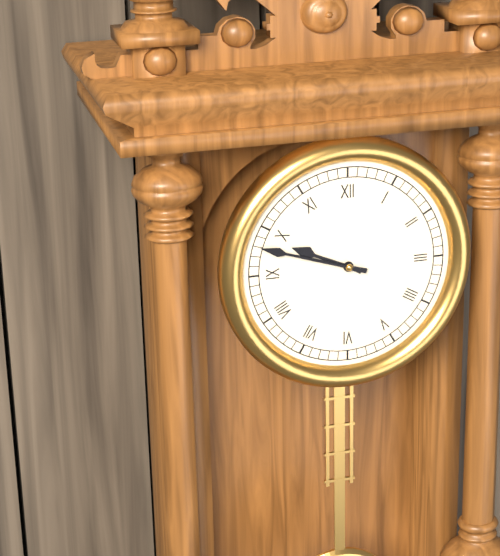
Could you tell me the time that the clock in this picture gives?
9:48
